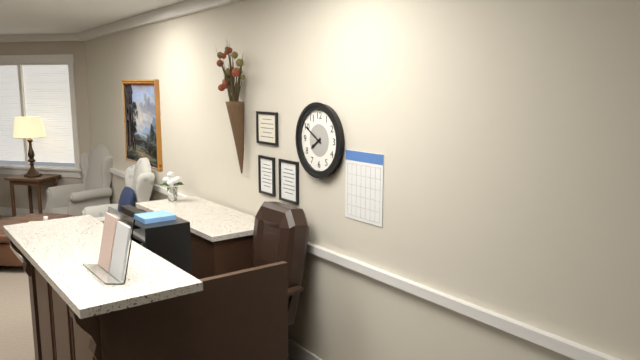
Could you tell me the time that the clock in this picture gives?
7:50
